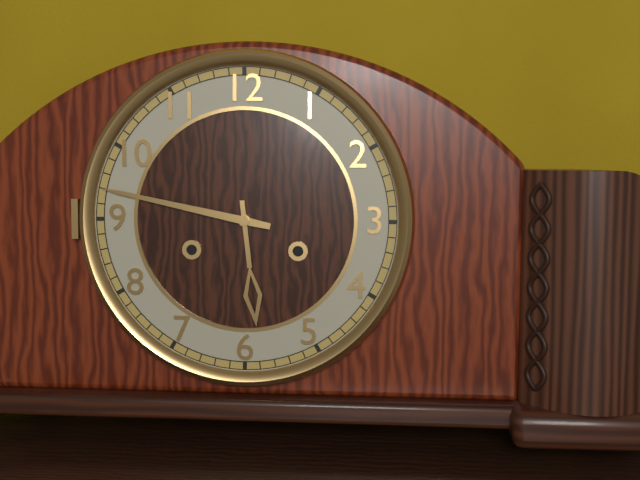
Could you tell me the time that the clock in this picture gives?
5:47
